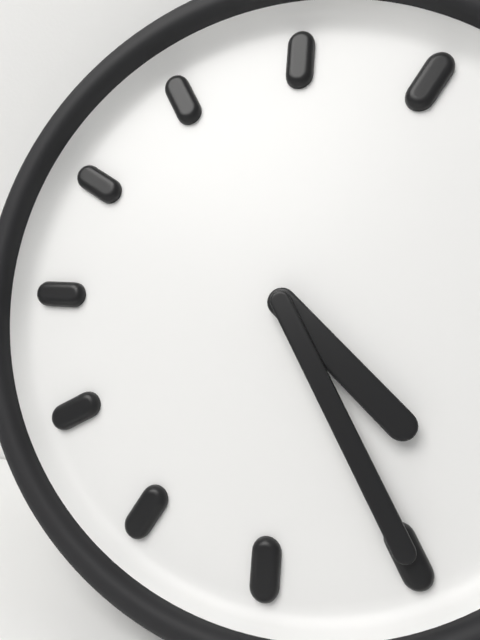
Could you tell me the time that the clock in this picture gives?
4:25
